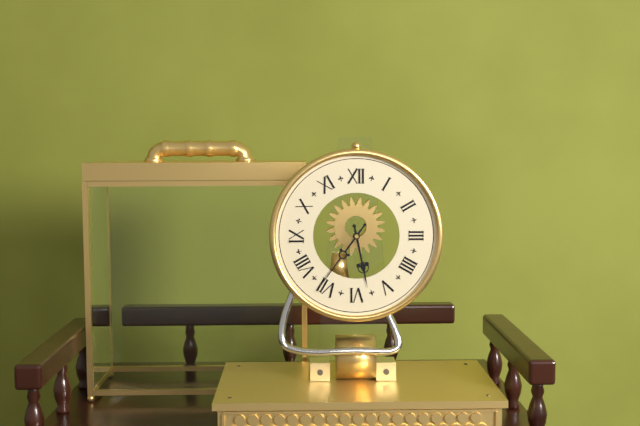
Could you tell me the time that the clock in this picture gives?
5:36
